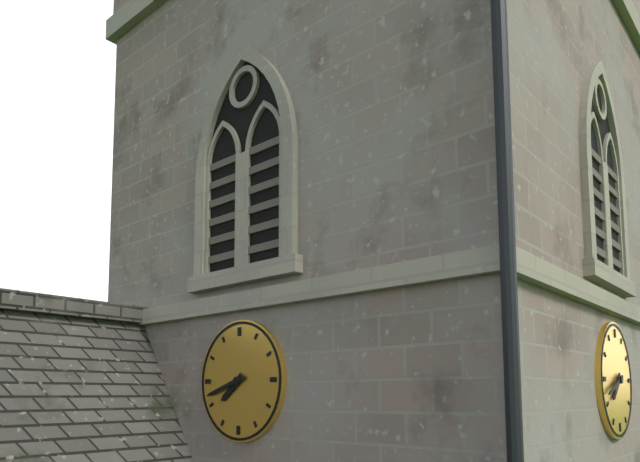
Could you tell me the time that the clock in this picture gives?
7:42
